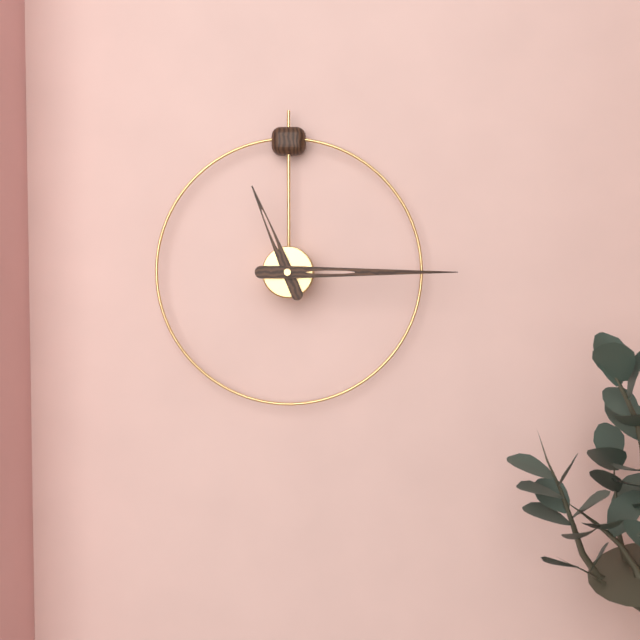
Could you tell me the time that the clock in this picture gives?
11:15
